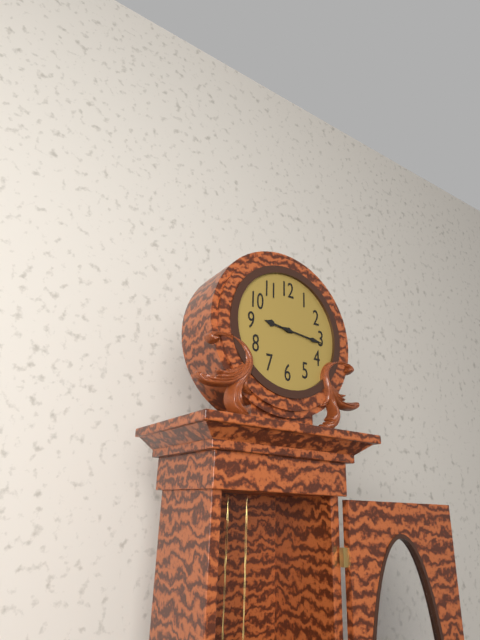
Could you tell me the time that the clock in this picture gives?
9:16
